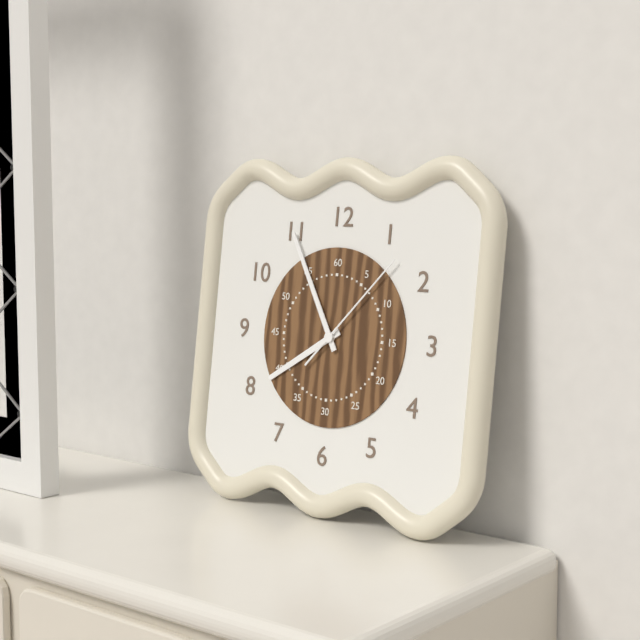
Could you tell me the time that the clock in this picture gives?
7:55:07
